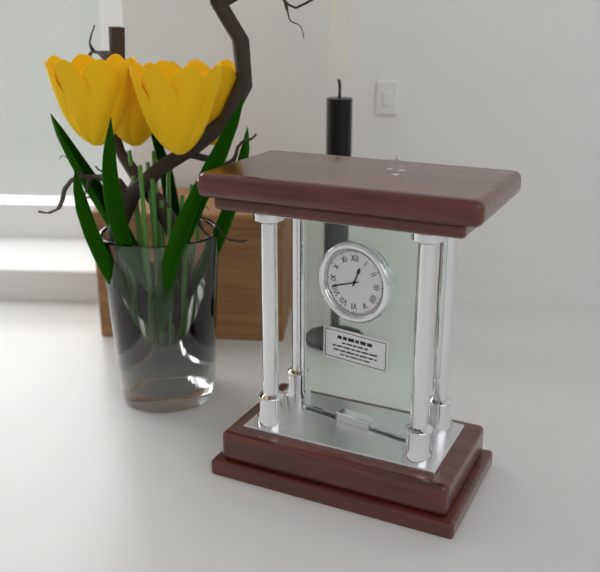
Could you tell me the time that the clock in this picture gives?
12:42
